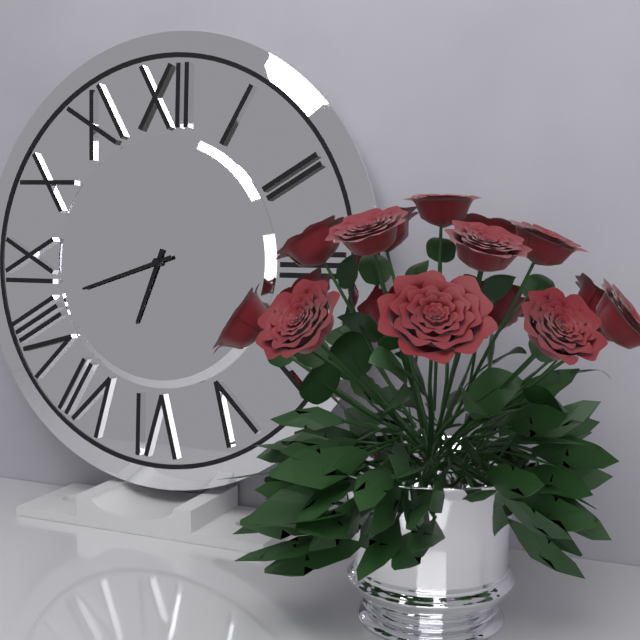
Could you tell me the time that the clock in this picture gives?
6:42
